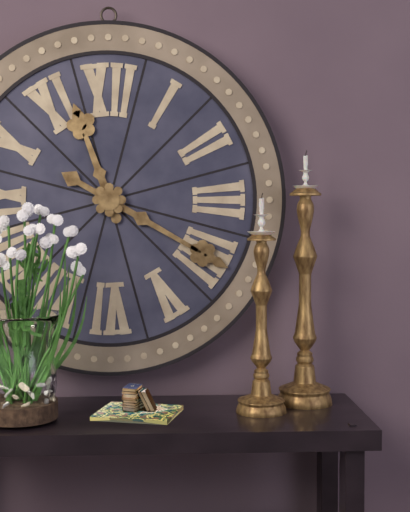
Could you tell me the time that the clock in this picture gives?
11:20
